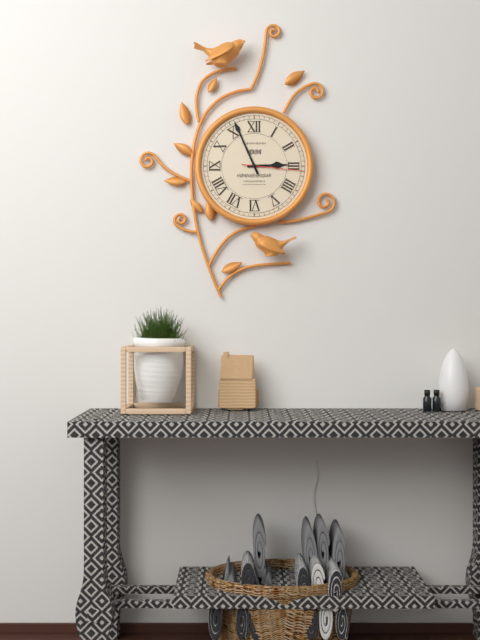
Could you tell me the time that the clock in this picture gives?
2:56:16
